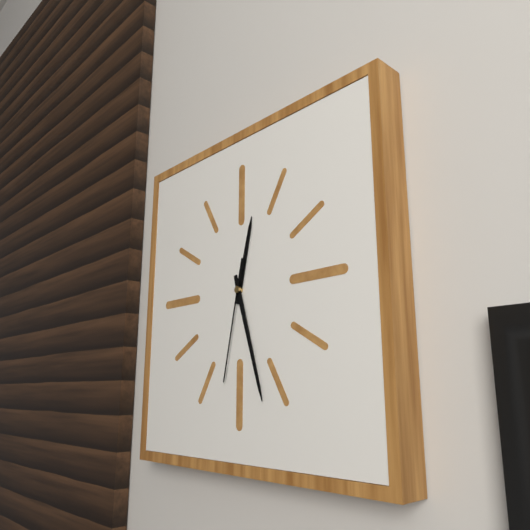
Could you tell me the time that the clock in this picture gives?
12:27:32
